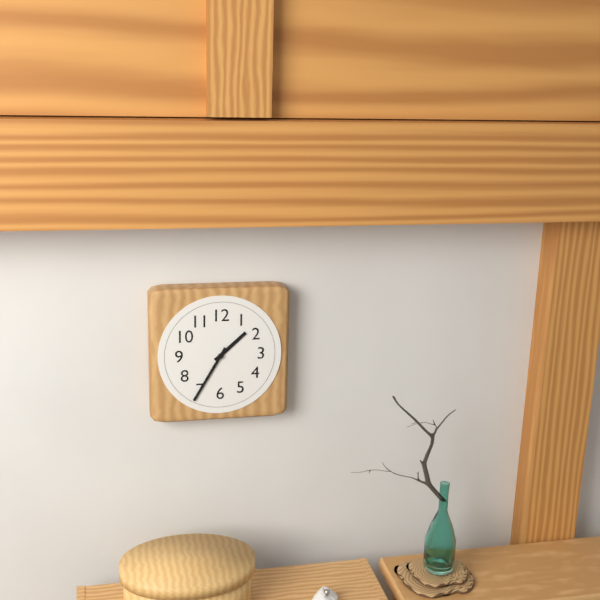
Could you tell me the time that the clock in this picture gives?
1:35
